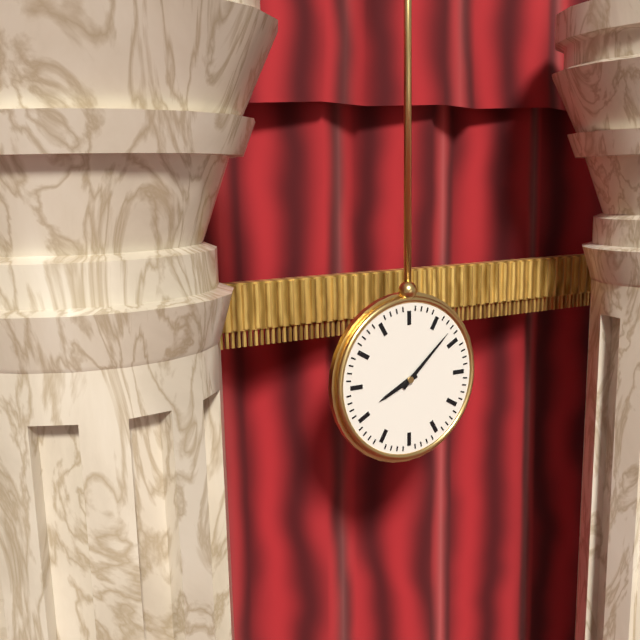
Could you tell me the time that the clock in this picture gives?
8:08
